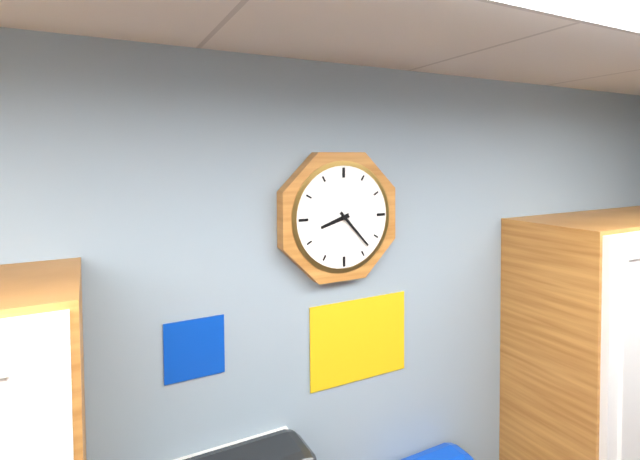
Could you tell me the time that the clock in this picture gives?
8:23
